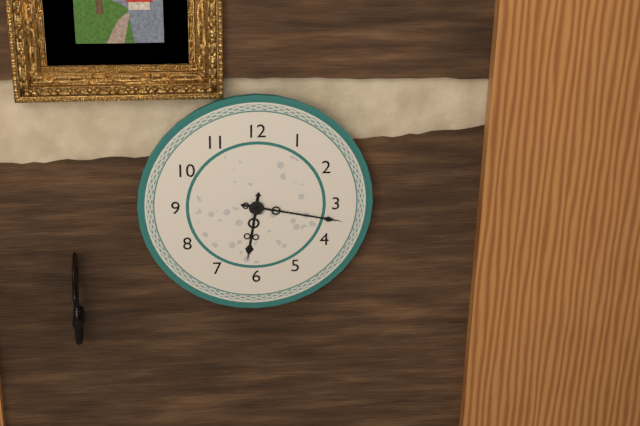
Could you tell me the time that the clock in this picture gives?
6:17
